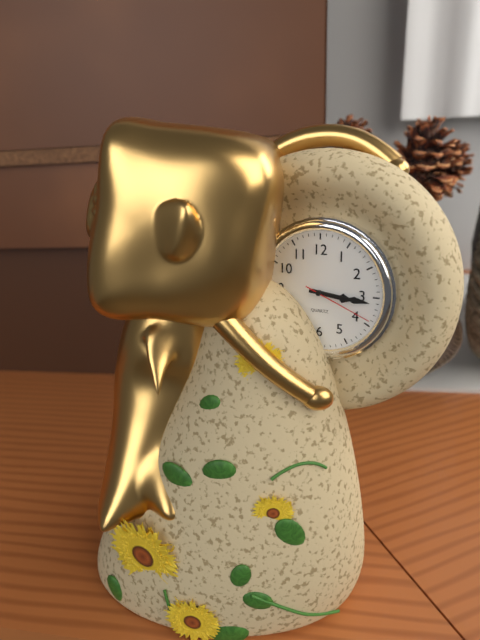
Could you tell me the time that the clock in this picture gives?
3:16:19
